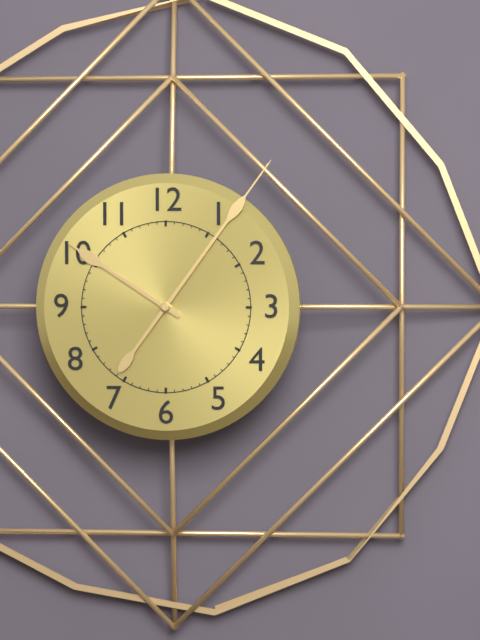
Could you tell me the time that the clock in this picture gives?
10:06
